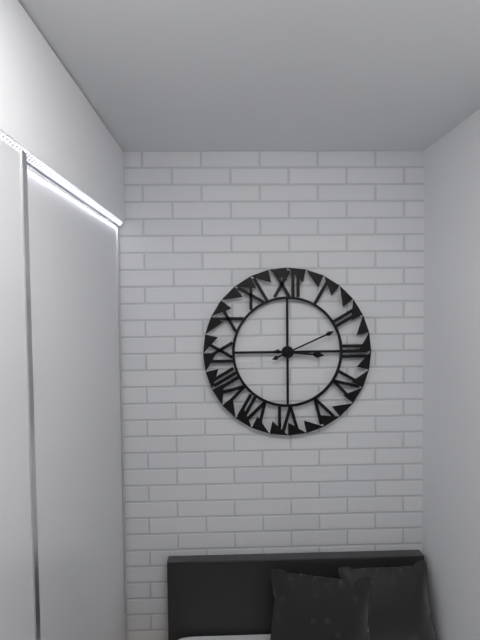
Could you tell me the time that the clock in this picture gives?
3:11
